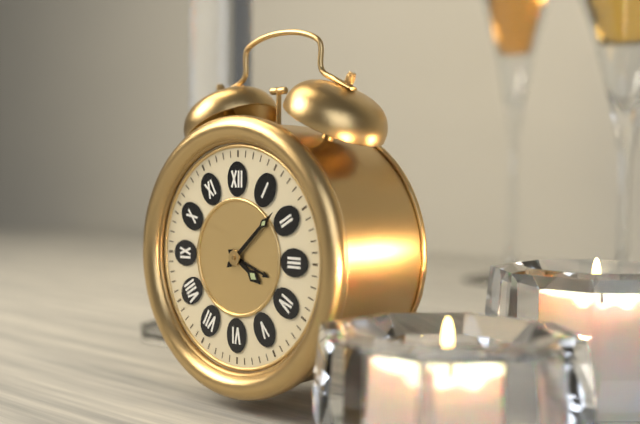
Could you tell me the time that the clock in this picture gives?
4:08
